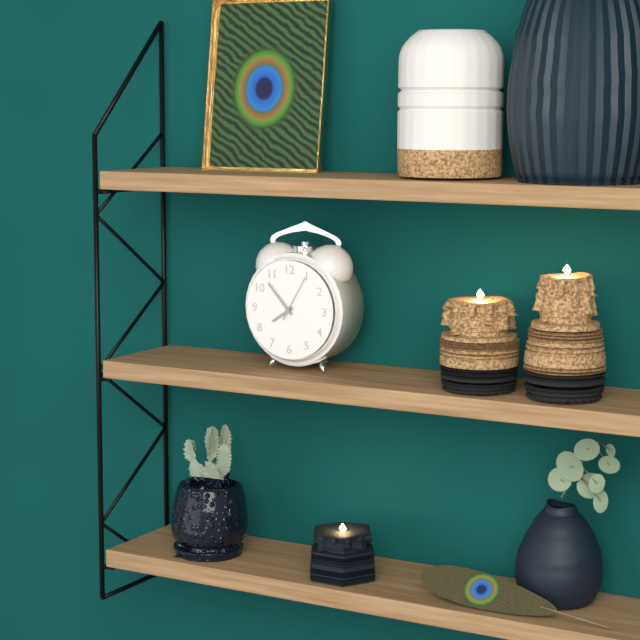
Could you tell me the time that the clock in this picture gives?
7:53
